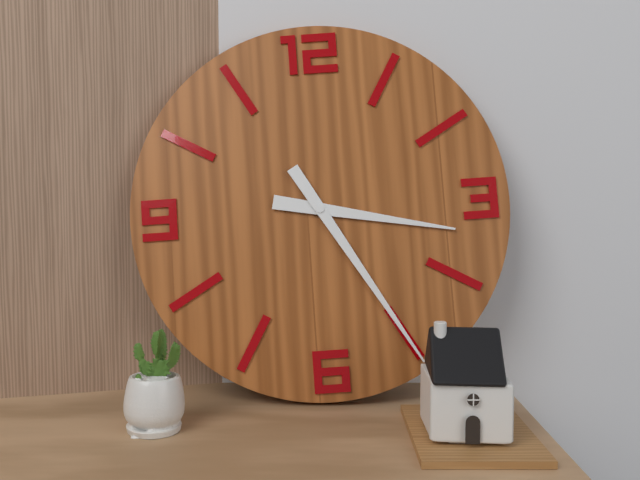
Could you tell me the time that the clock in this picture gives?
3:25
